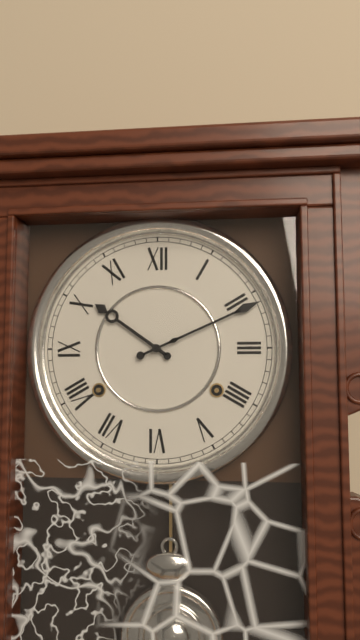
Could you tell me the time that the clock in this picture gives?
10:11
